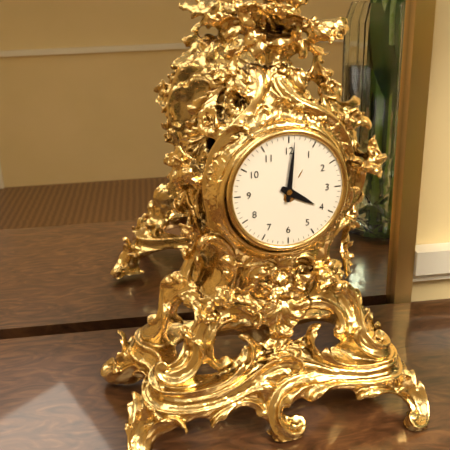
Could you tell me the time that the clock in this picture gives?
4:01
